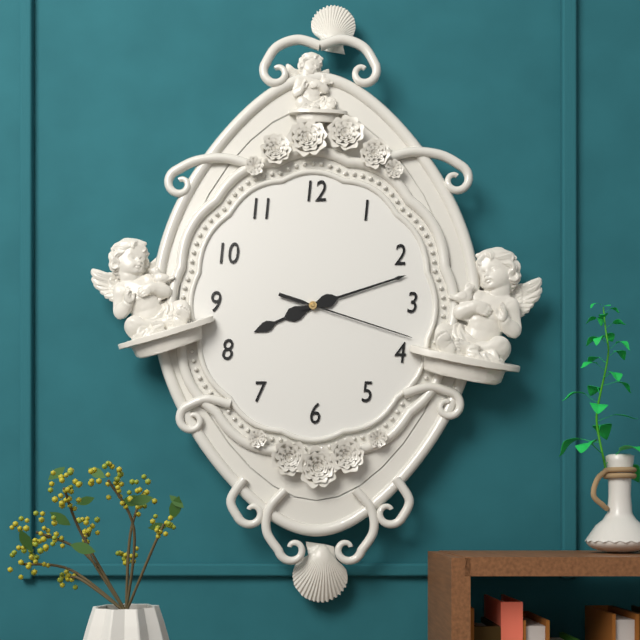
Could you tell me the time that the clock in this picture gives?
8:12:18
